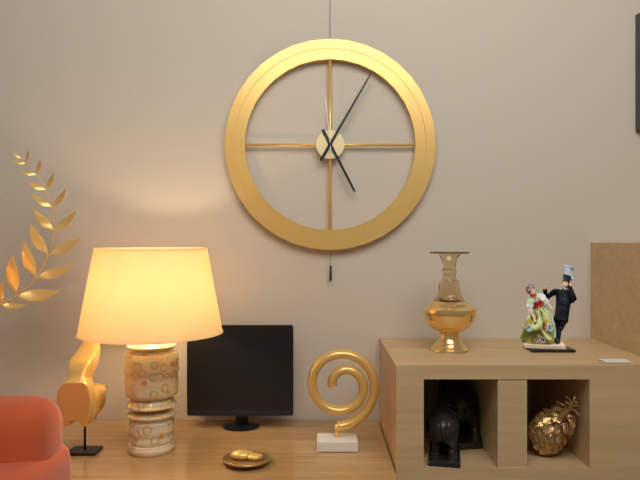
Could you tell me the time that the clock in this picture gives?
5:05:59
